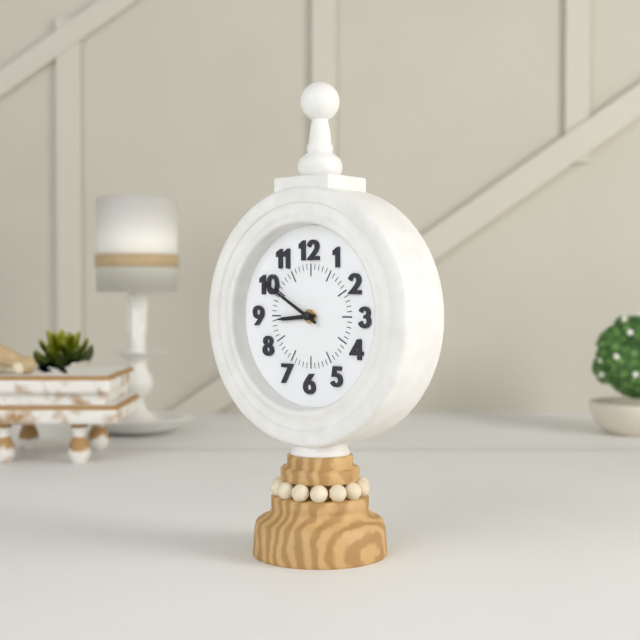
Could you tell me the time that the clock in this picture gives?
8:50
